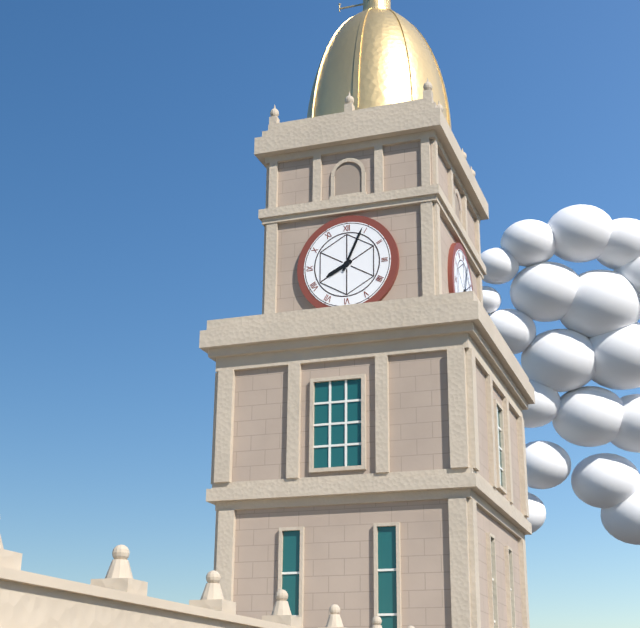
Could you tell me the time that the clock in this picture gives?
8:04
